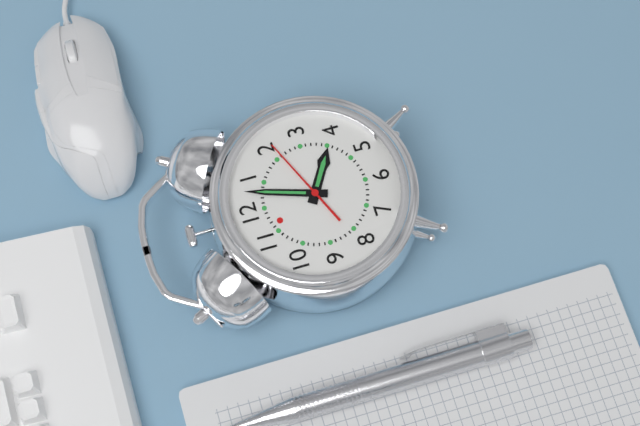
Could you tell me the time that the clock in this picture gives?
4:03:11
